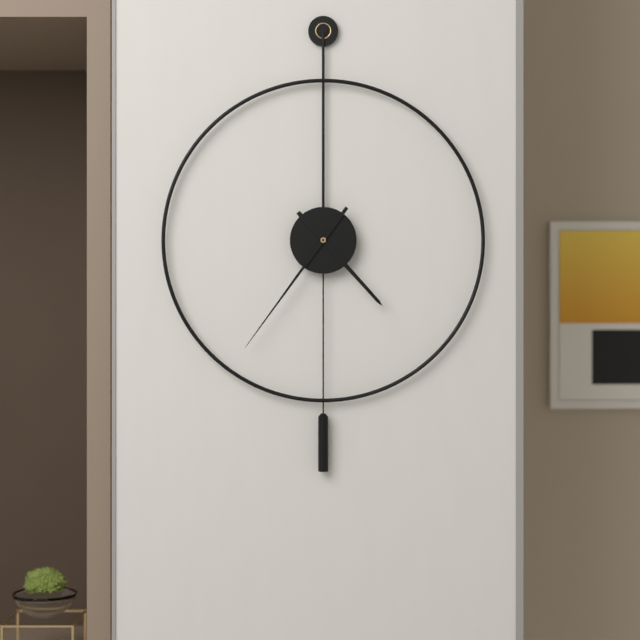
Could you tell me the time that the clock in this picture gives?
4:36
